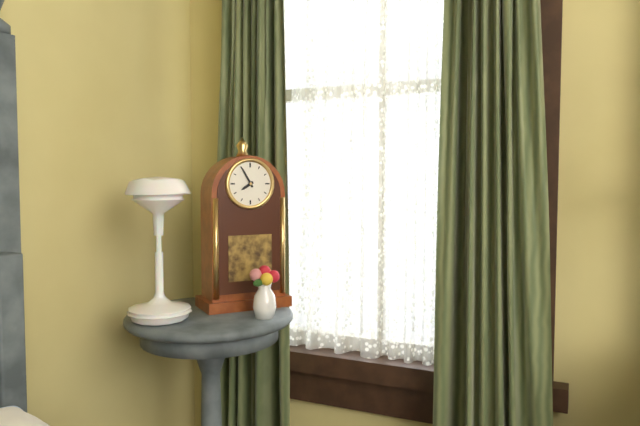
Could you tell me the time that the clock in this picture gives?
7:55
